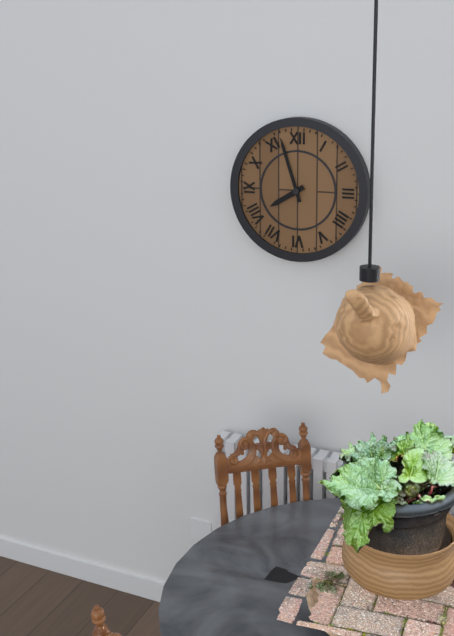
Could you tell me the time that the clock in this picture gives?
7:57
